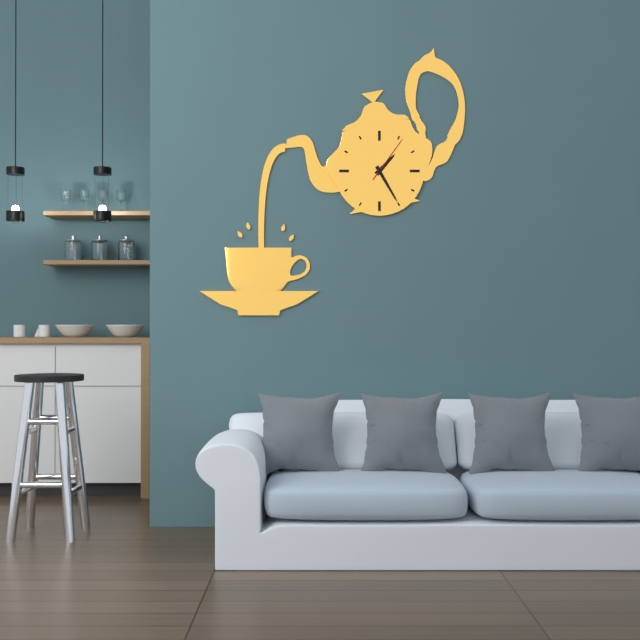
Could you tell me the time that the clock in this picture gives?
1:25:06
